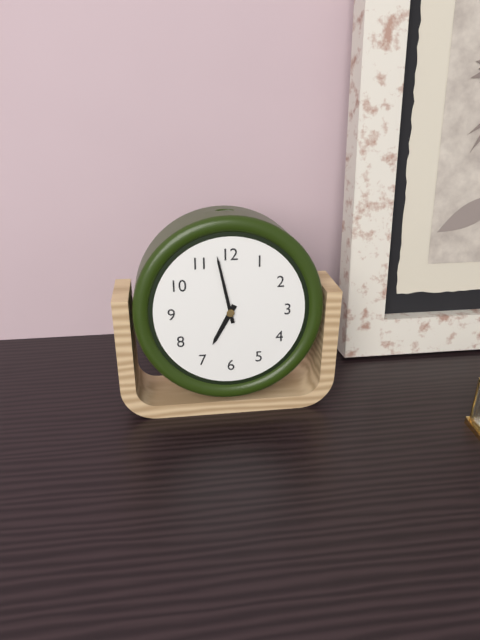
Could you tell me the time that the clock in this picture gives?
6:58
